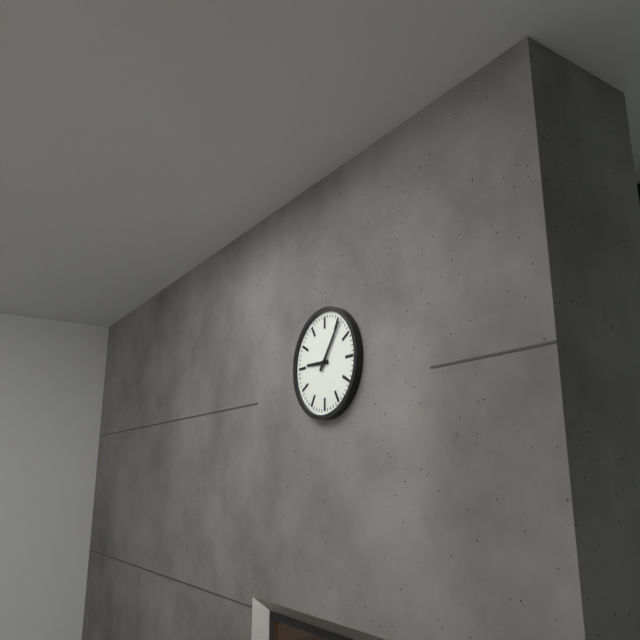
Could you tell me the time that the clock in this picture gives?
9:06
